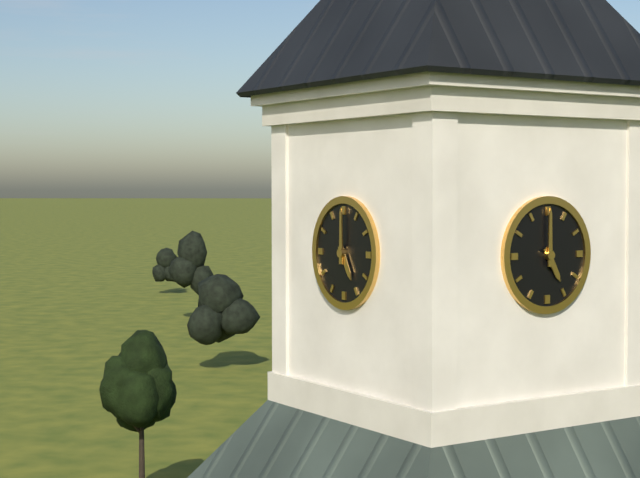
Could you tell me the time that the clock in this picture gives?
5:00
